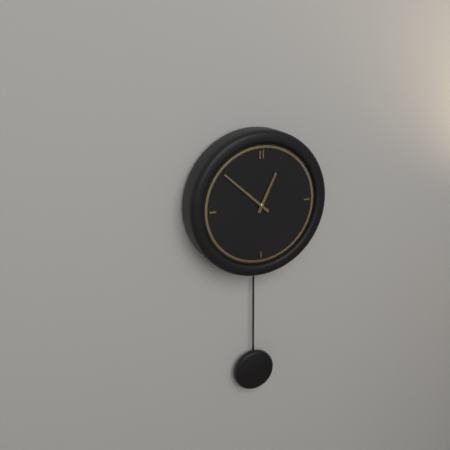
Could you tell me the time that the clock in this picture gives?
12:52
